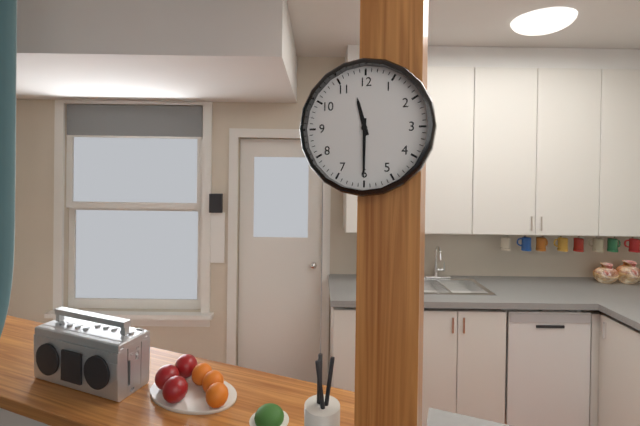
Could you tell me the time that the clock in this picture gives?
11:30
